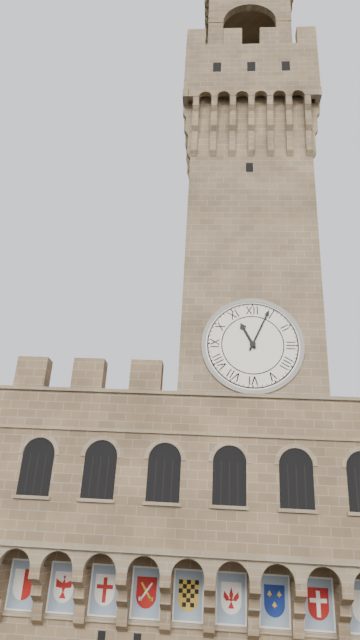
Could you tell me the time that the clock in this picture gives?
11:04
